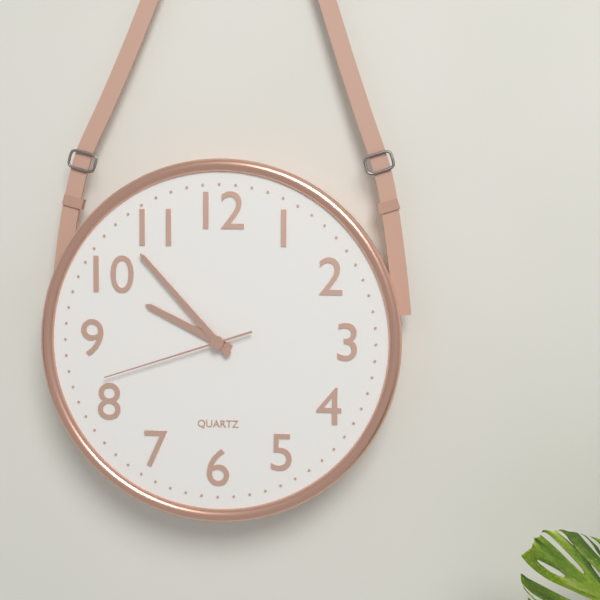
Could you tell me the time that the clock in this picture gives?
9:53:42
